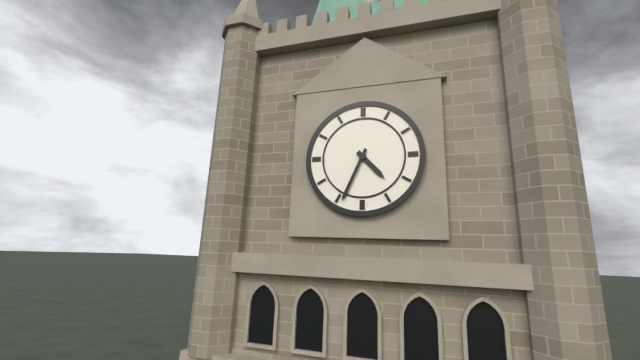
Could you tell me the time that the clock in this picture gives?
4:34
